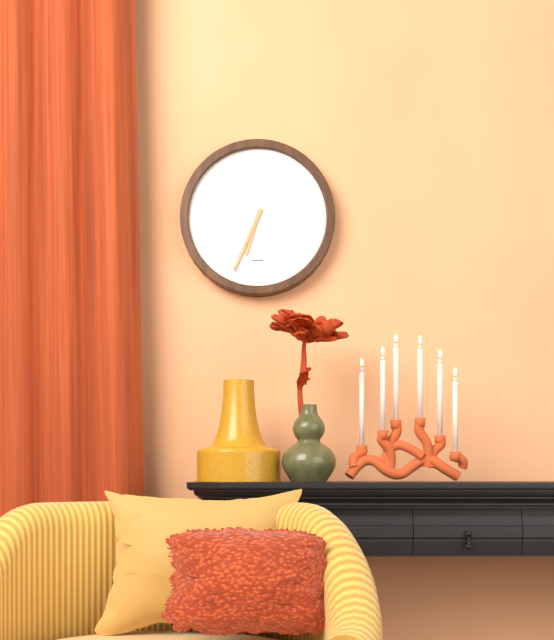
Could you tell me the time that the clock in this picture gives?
6:34
